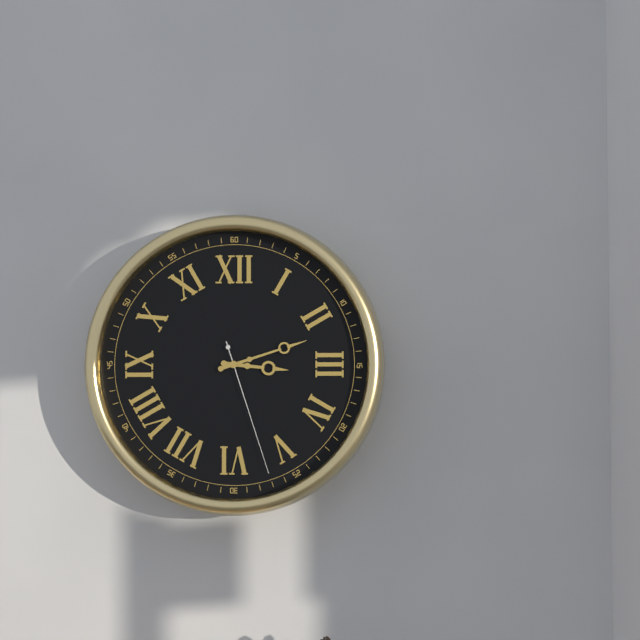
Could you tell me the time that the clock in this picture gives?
3:12:27
